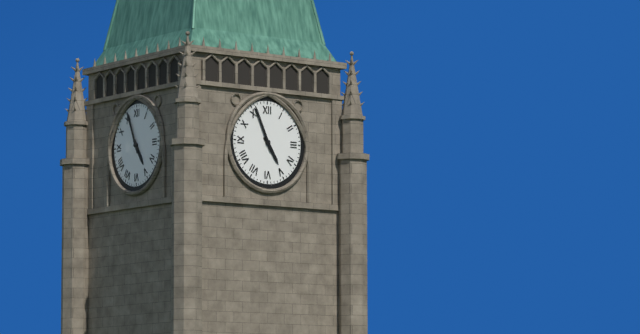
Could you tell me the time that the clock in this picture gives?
4:56
